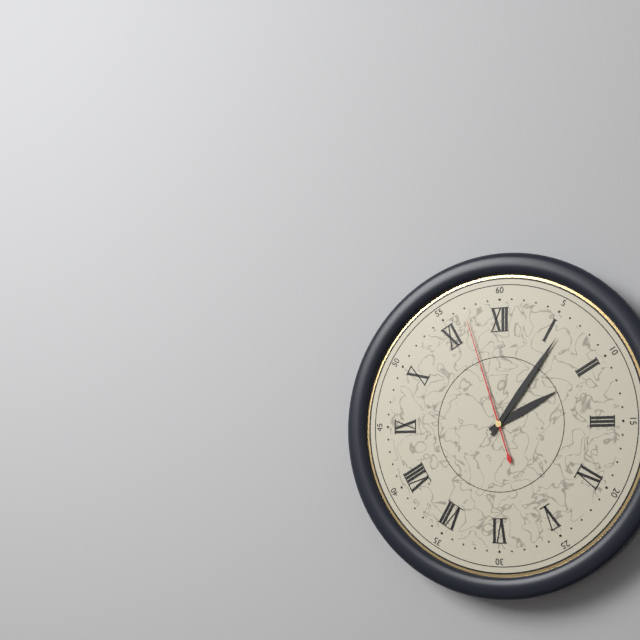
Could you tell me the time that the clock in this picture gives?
2:06:57
